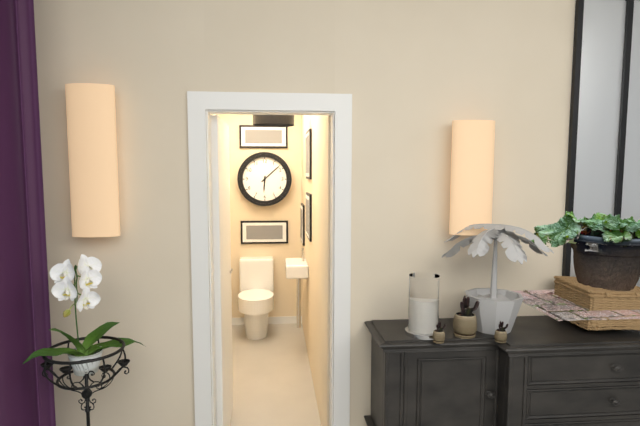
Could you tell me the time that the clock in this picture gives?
6:08
